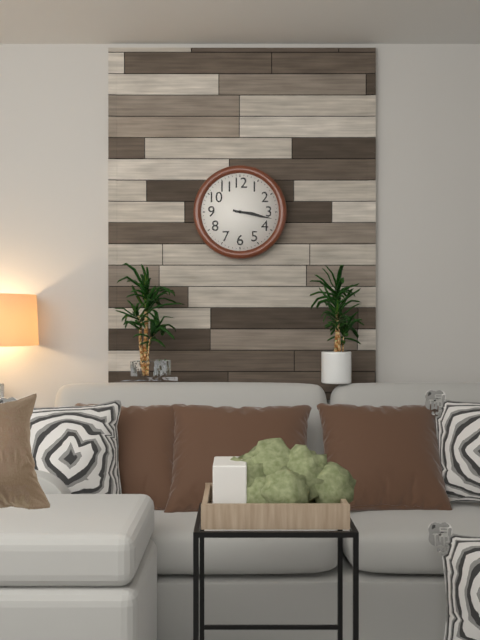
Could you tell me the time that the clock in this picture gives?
3:17
